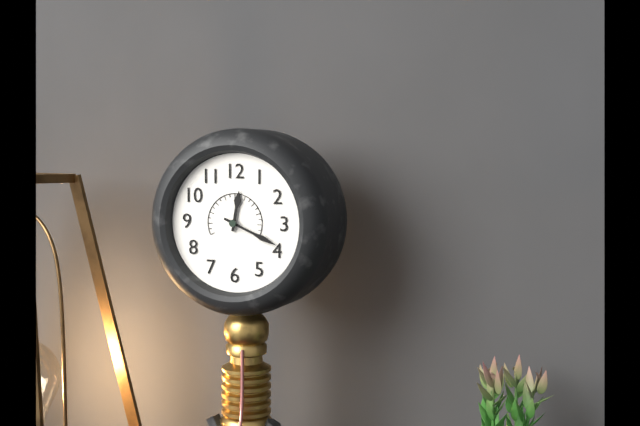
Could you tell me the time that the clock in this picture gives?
12:19
